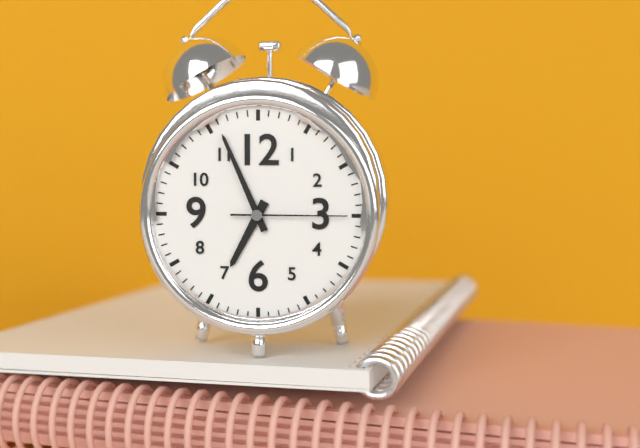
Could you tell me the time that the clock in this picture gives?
6:56:15
